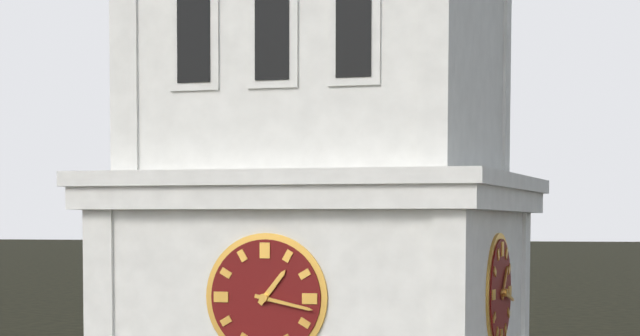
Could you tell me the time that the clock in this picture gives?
1:17
